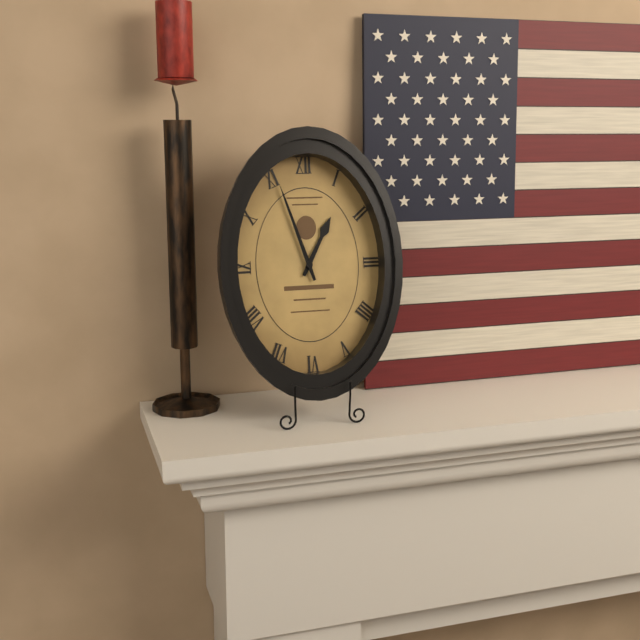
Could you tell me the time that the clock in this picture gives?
12:57
